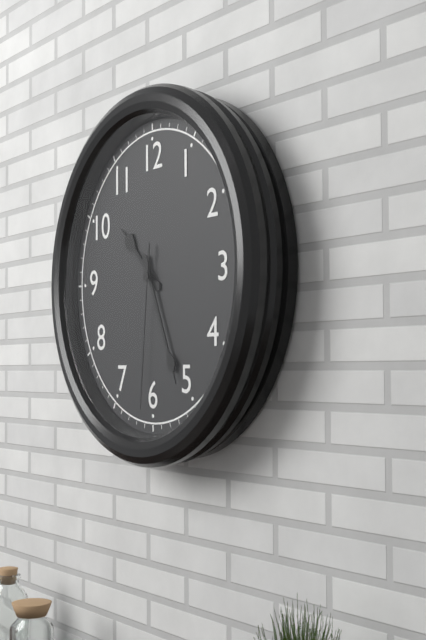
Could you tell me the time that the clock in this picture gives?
10:26:31
